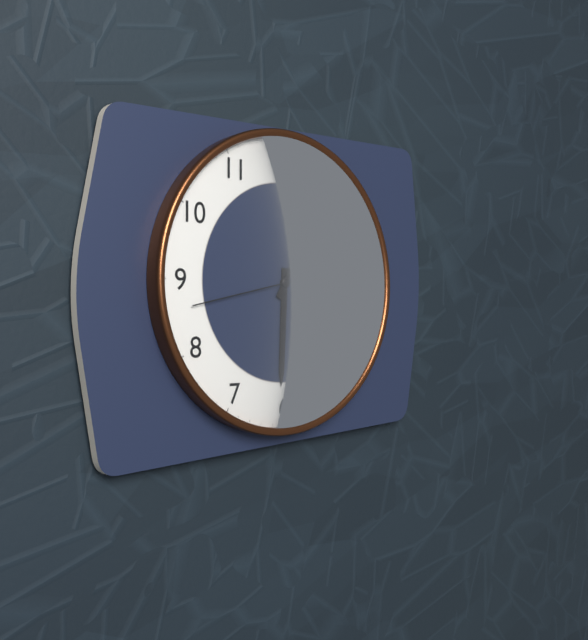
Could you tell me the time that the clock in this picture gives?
6:05:43
